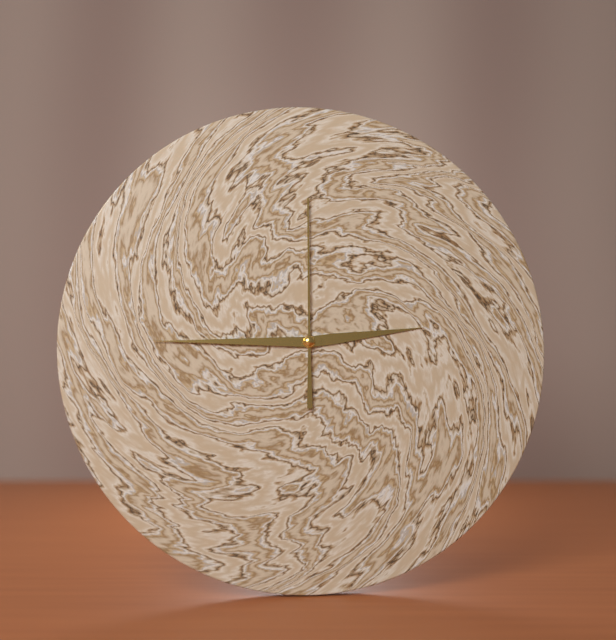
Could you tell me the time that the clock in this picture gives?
2:45:00
